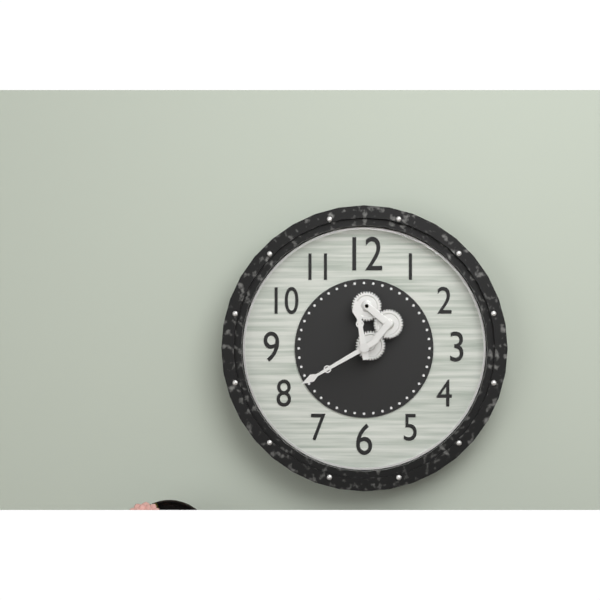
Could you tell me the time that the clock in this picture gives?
11:40
